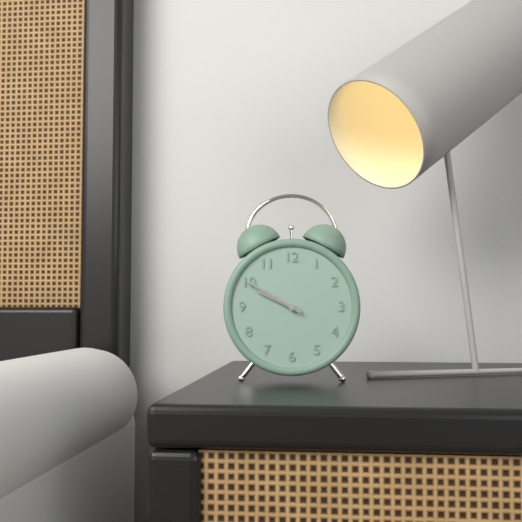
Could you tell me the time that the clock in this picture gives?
9:50
